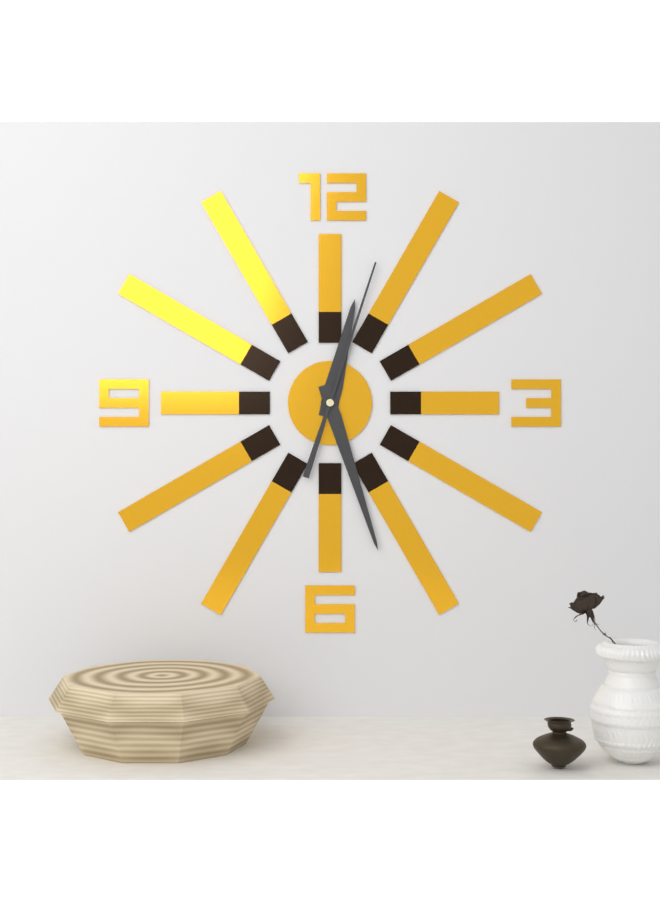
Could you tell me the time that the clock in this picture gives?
12:27:03
